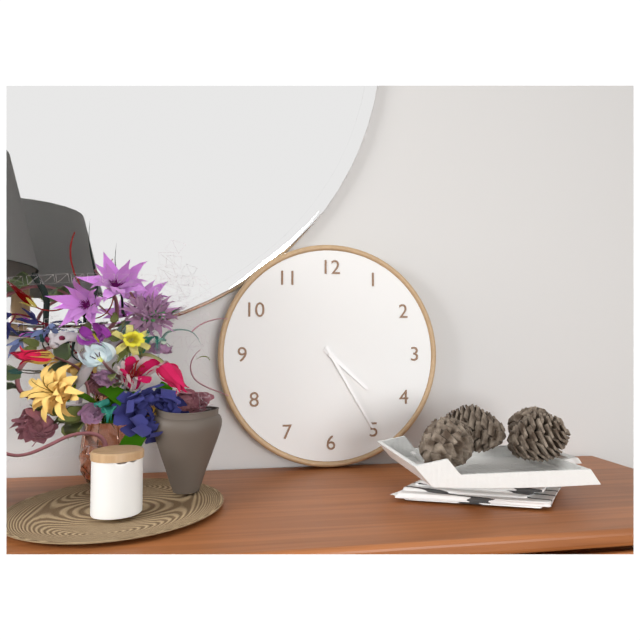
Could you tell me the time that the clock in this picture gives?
4:25
